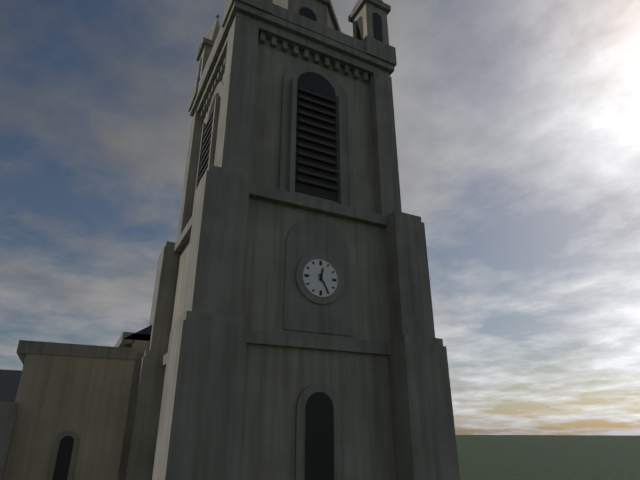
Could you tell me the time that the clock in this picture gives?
12:25
